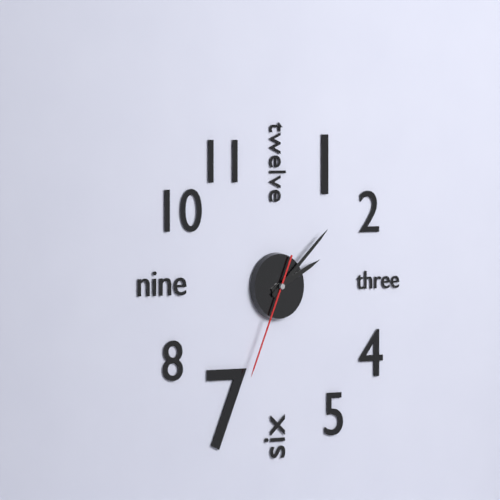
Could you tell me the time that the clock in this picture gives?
2:08:34
